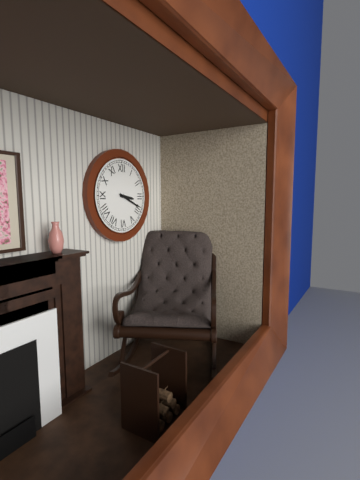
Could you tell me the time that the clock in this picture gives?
3:19
